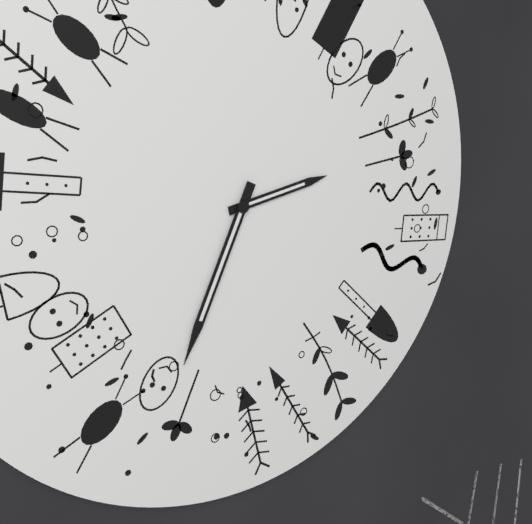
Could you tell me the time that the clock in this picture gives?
2:34
